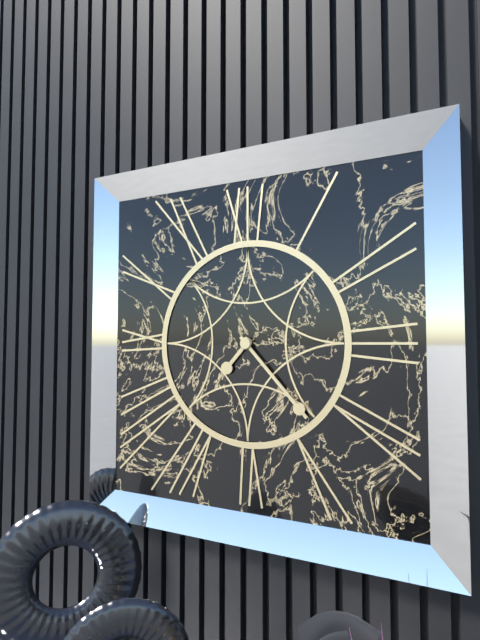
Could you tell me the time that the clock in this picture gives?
7:23
